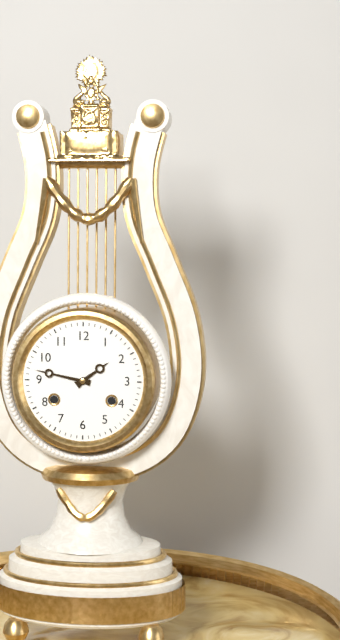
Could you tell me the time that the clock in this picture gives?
1:47
